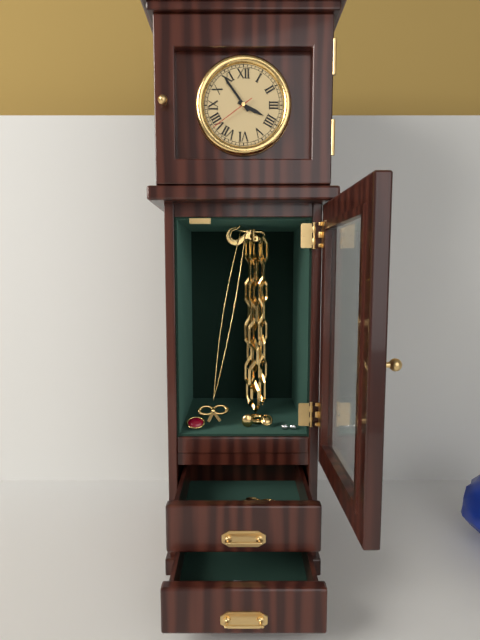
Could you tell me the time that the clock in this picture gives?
3:54
